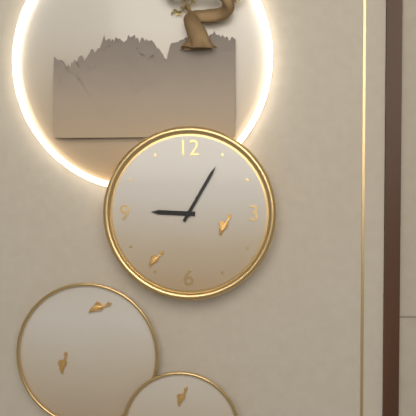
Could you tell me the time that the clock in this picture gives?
9:05
